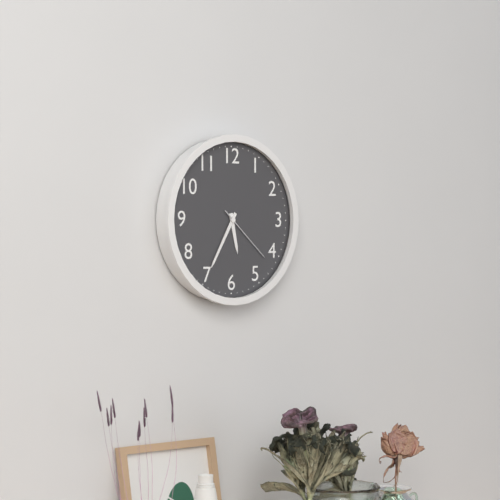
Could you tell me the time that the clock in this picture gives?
5:35:22
